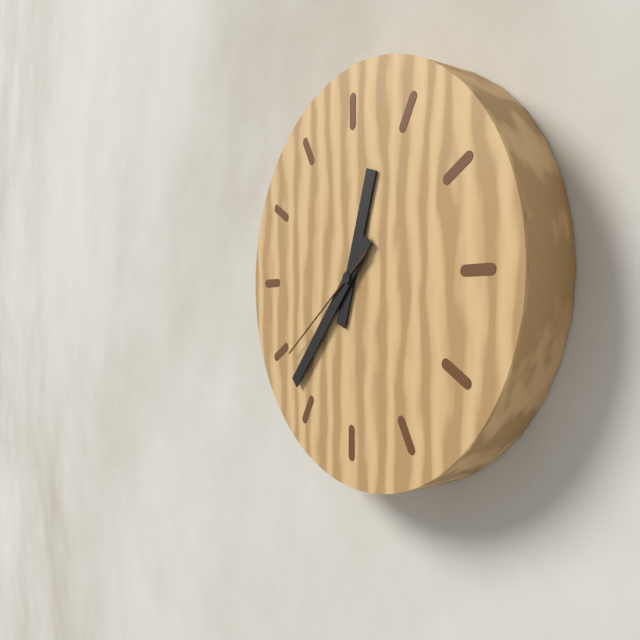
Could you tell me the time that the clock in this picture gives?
12:37:39
